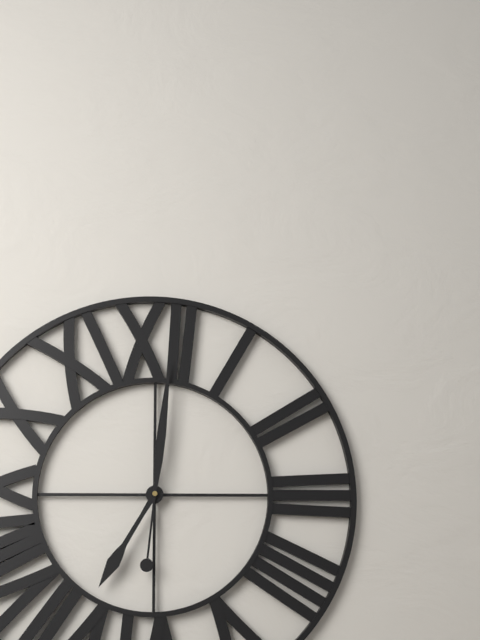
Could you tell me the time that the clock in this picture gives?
7:01
